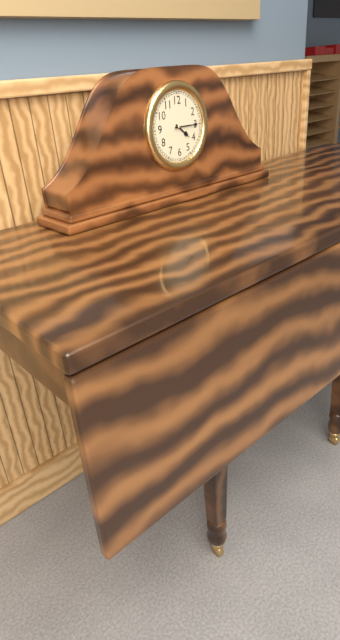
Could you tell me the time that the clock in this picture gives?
4:15
